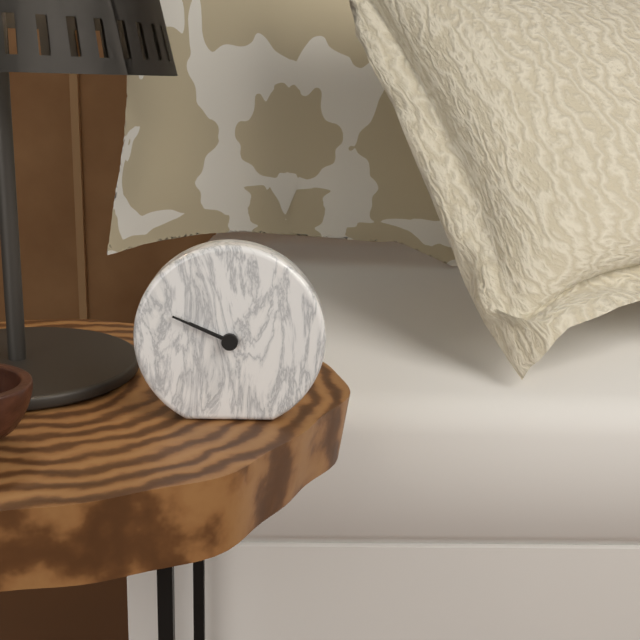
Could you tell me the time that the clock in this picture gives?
9:49
